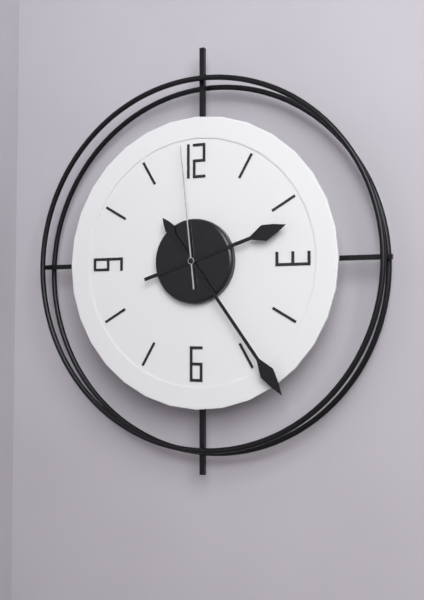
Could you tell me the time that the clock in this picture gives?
2:24:59
